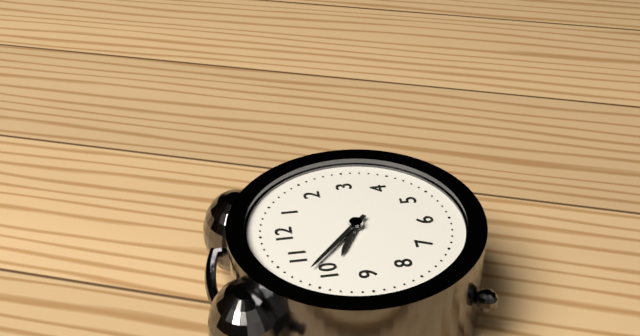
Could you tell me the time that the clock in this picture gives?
9:52
